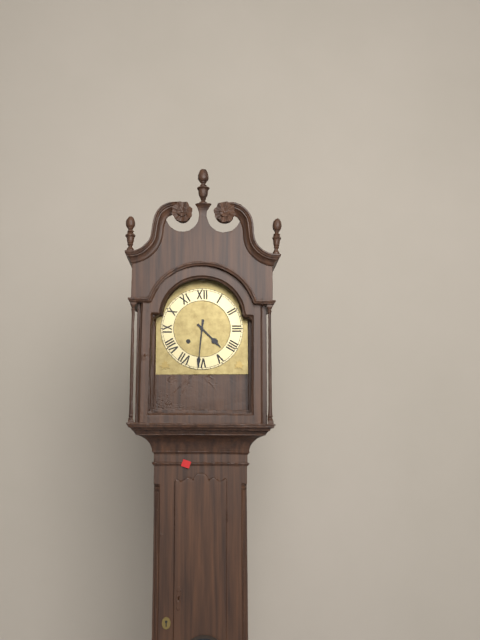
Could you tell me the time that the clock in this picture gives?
4:31
